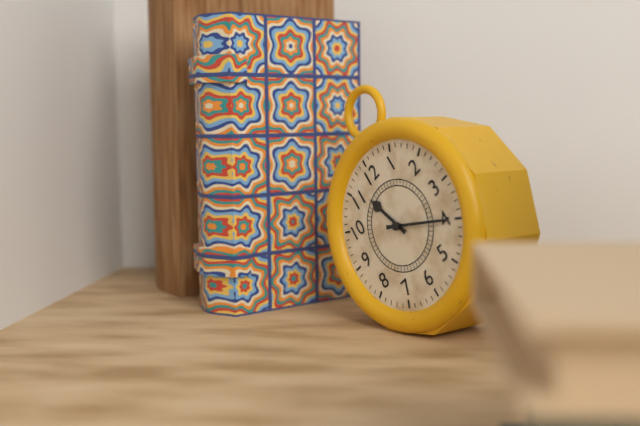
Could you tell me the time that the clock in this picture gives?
11:20
